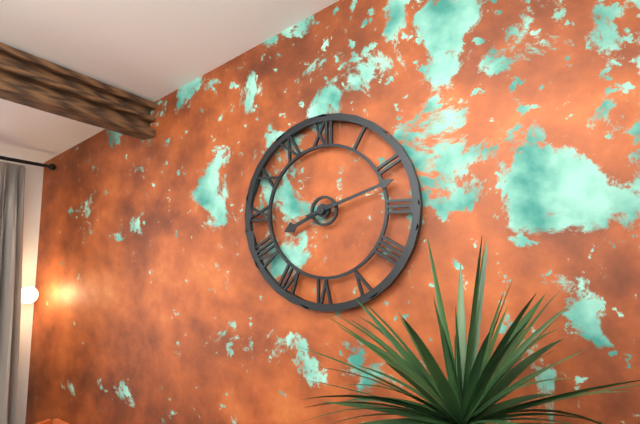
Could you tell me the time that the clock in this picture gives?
8:12
